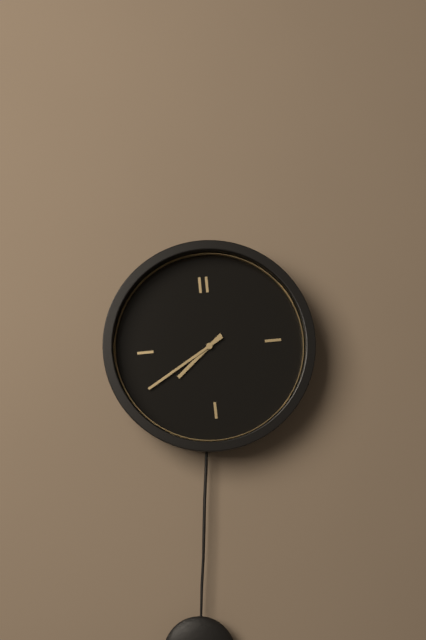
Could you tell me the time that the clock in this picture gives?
7:40
